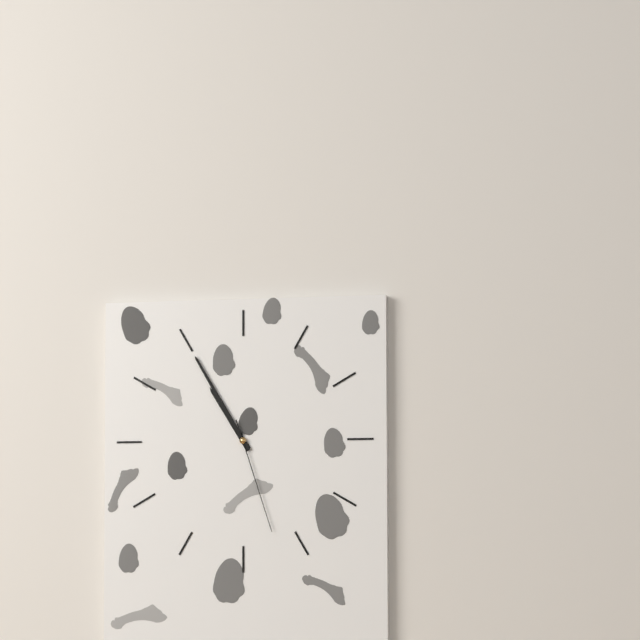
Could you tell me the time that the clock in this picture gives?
10:55:27
